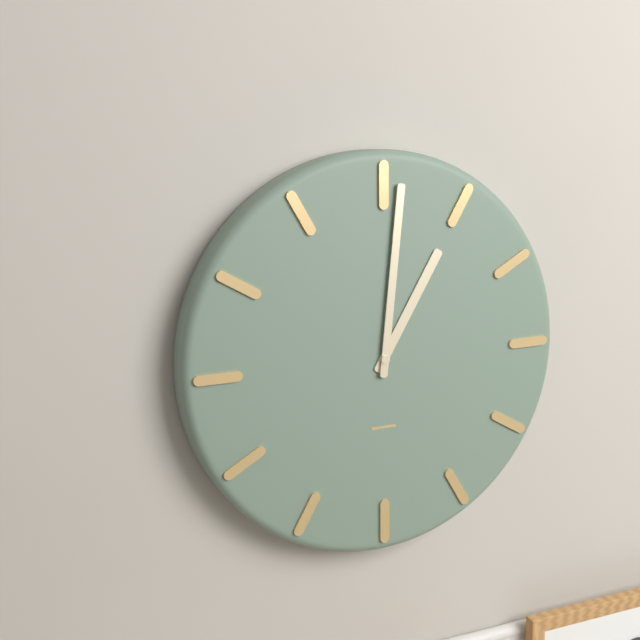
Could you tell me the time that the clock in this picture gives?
1:01
